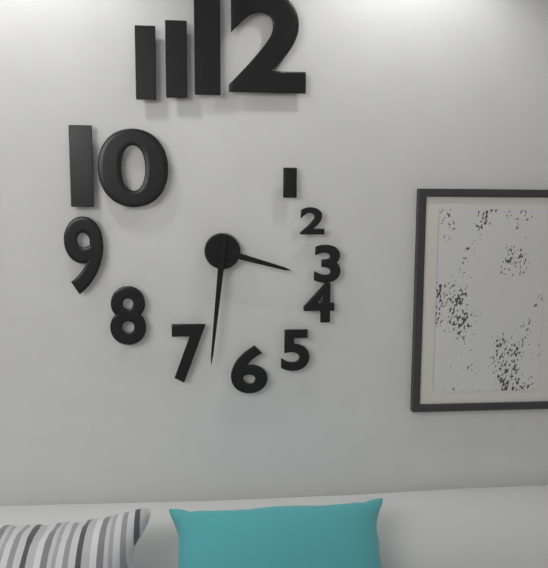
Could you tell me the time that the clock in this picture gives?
3:31
